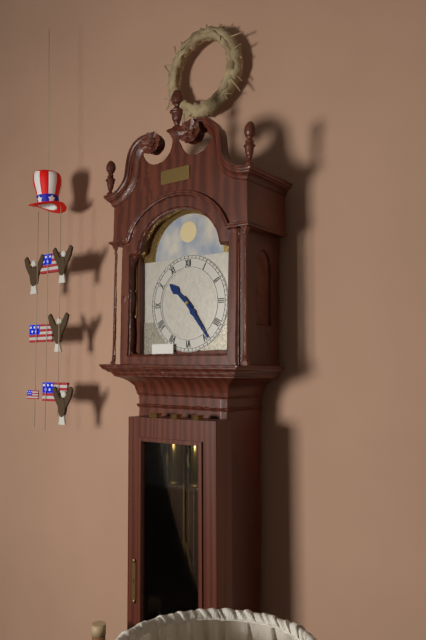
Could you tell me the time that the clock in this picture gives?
10:24
